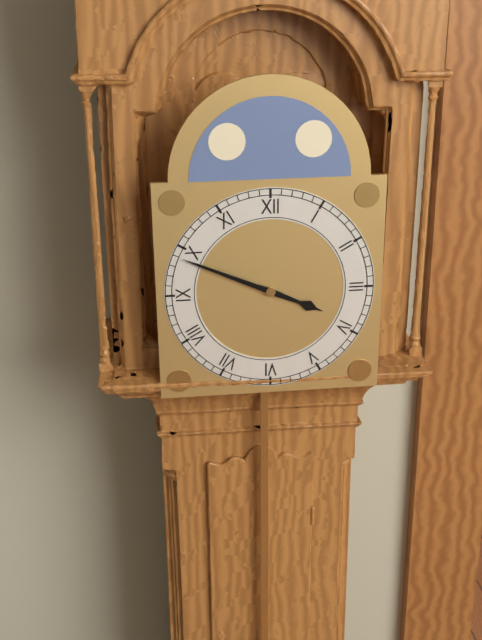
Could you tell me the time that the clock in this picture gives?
3:49
